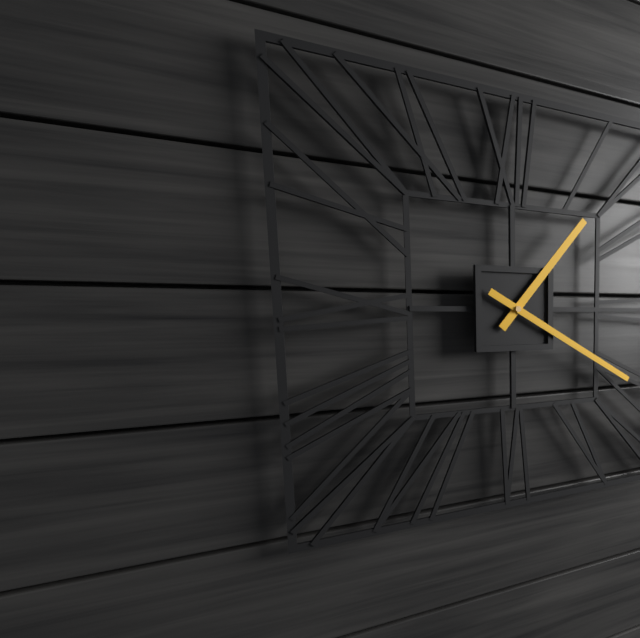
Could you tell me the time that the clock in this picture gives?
1:20
